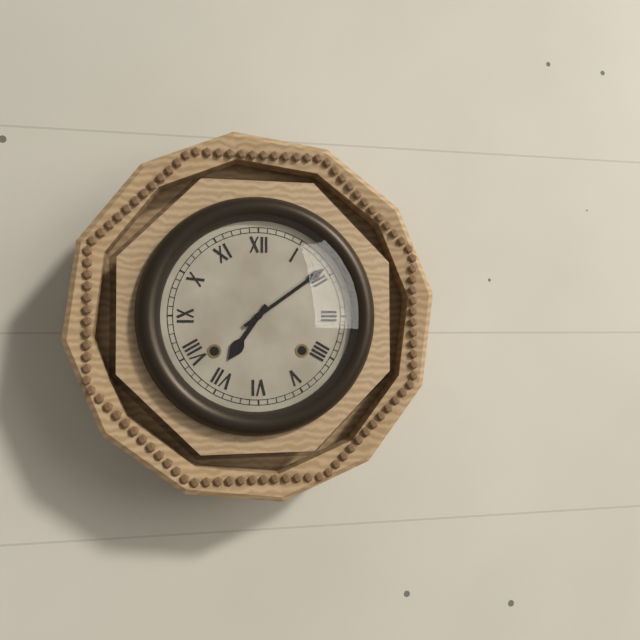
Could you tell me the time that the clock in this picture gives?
7:09
